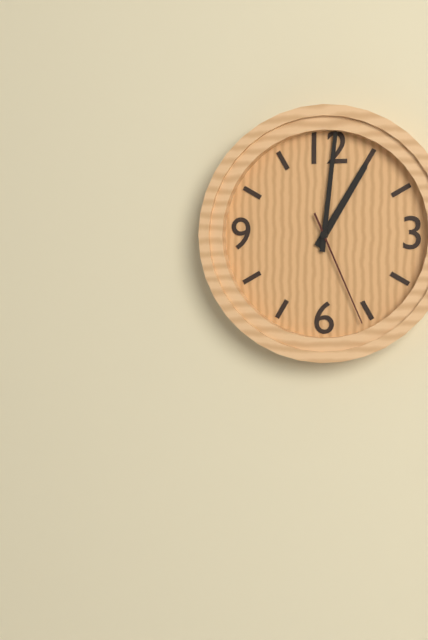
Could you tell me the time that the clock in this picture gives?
1:01:26
